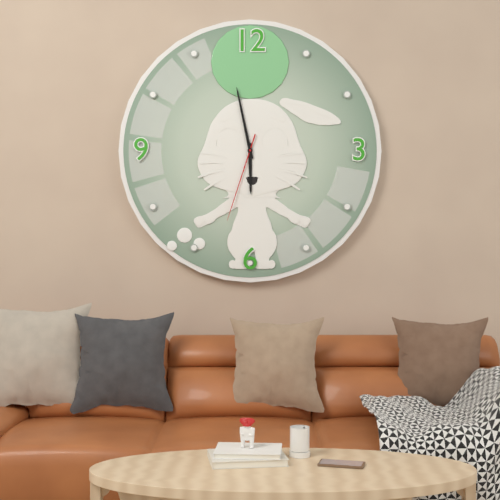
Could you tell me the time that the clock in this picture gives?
5:58:33
